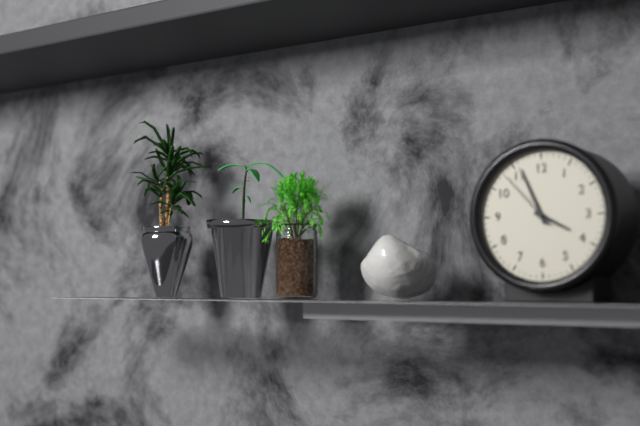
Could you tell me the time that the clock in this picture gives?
3:56:53
